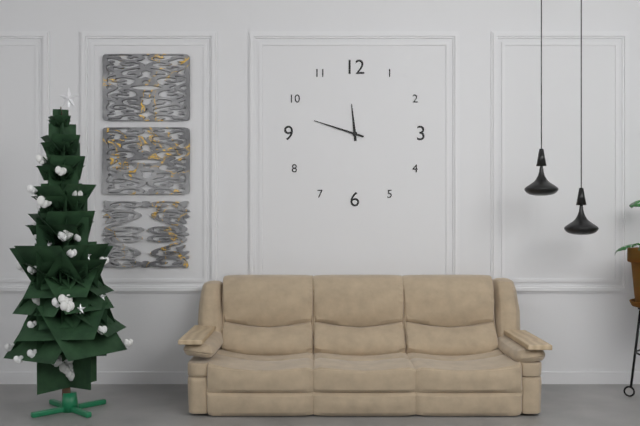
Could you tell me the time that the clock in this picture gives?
11:48
